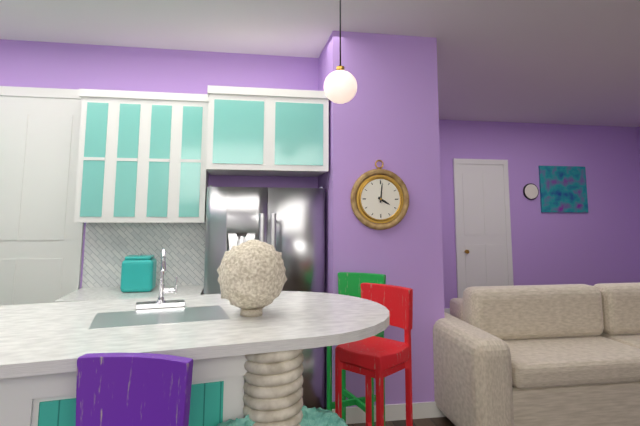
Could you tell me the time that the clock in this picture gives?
4:01
